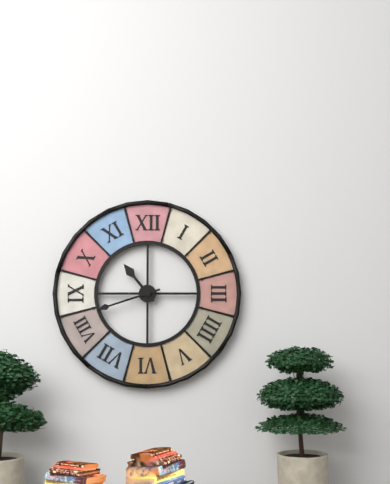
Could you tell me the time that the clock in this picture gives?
10:42
